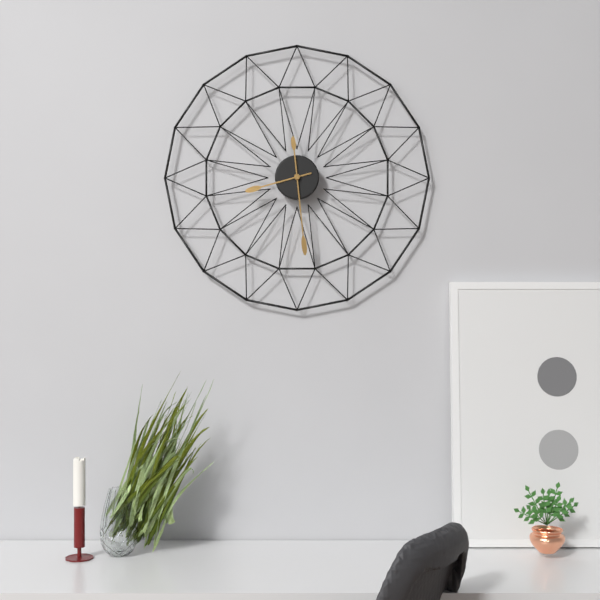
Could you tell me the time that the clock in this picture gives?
8:29
